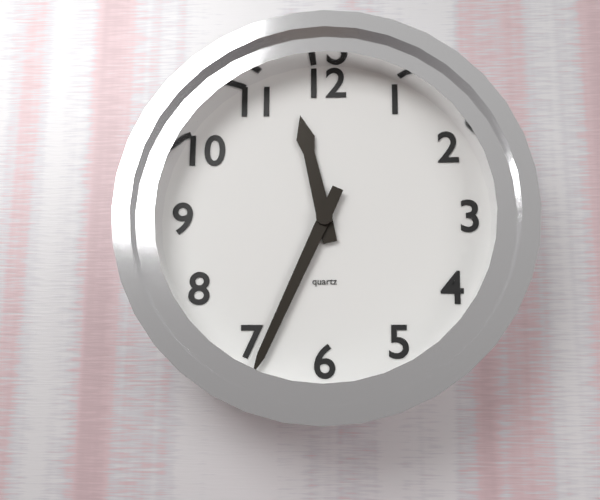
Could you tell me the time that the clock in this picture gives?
11:34
